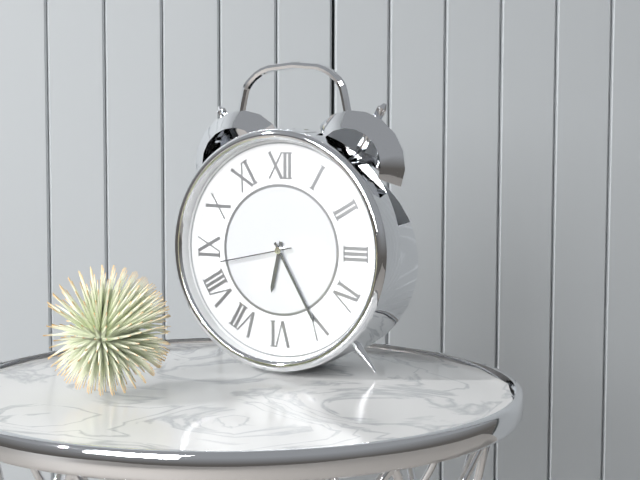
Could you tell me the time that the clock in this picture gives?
6:25:43
